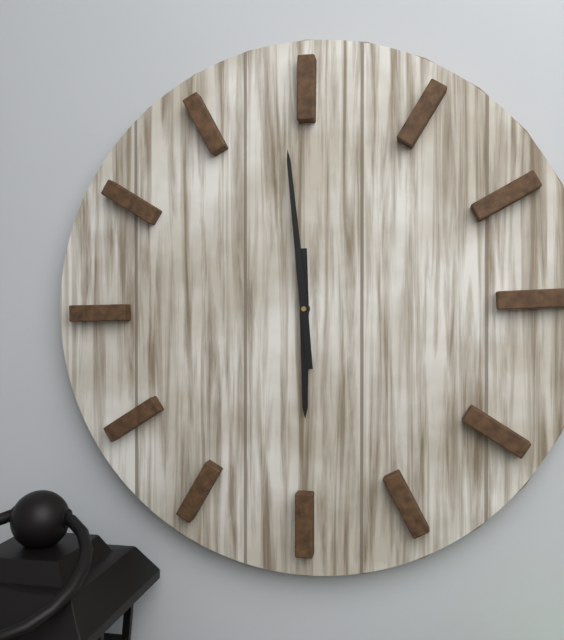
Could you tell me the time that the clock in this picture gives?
5:59
